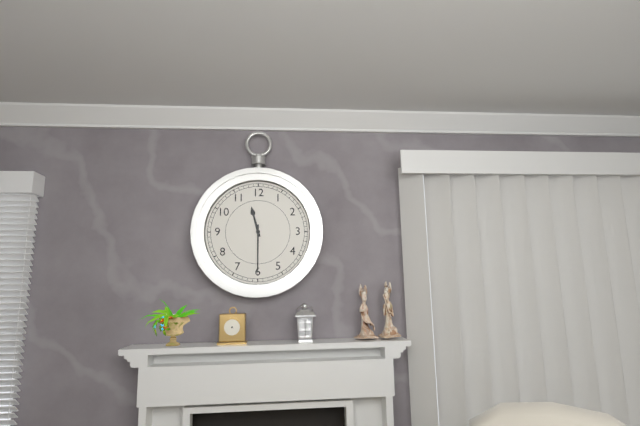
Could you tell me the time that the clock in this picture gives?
11:30
